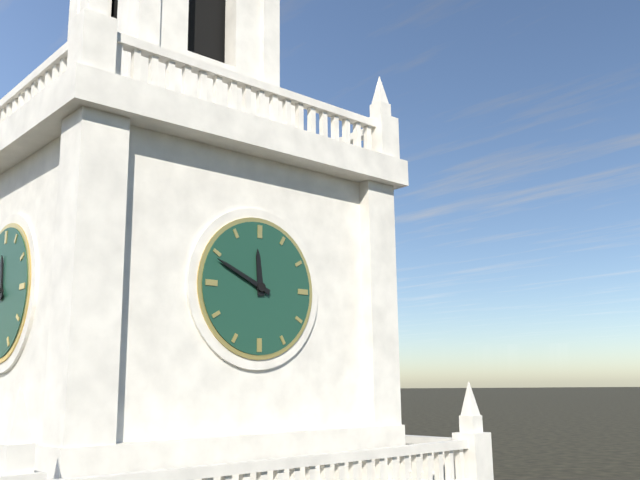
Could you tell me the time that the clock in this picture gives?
11:49
